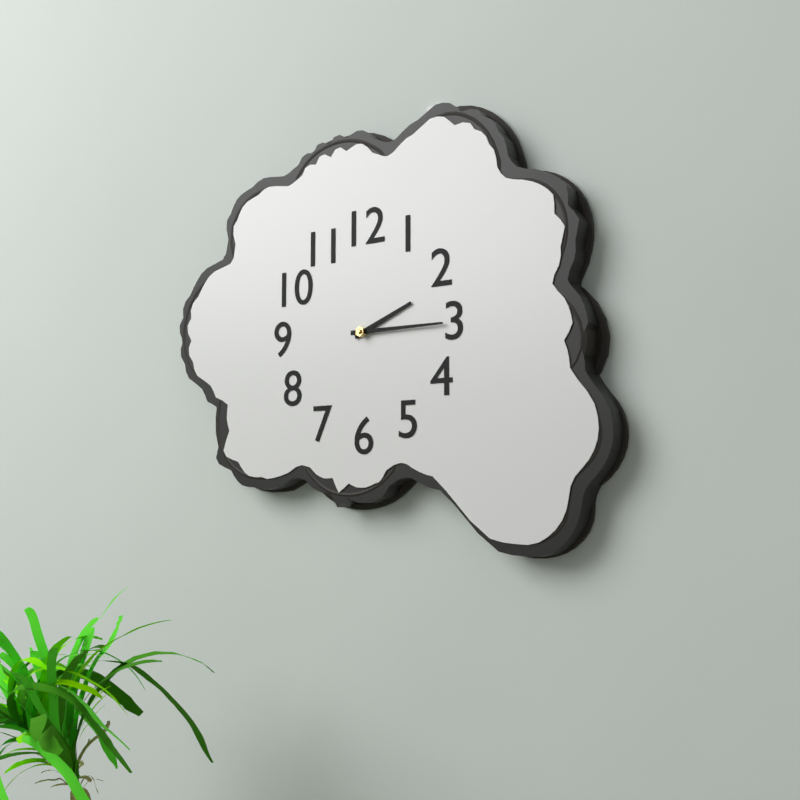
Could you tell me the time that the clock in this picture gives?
2:15
